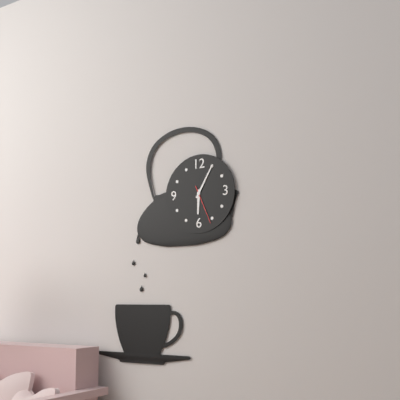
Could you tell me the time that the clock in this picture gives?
6:05
